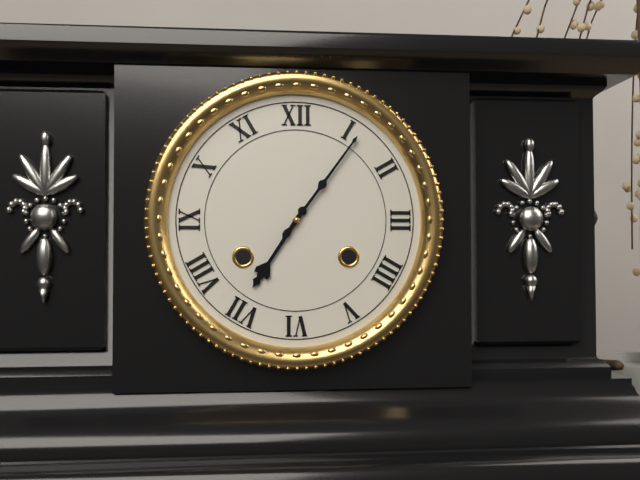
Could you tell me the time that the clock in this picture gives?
7:06
